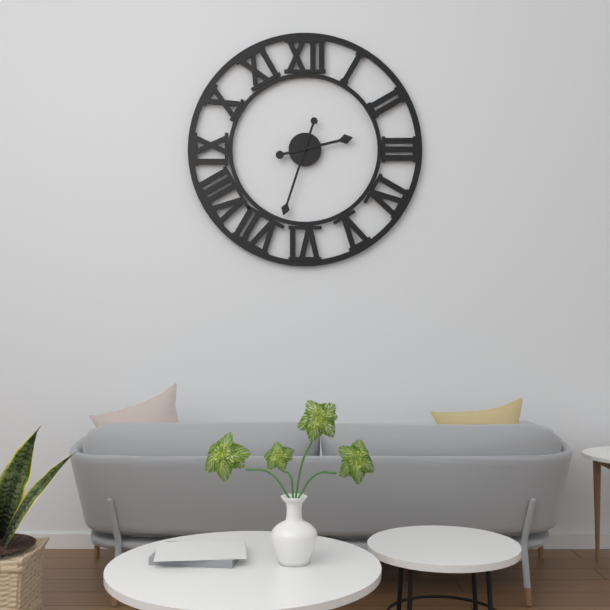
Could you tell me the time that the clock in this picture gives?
2:33
